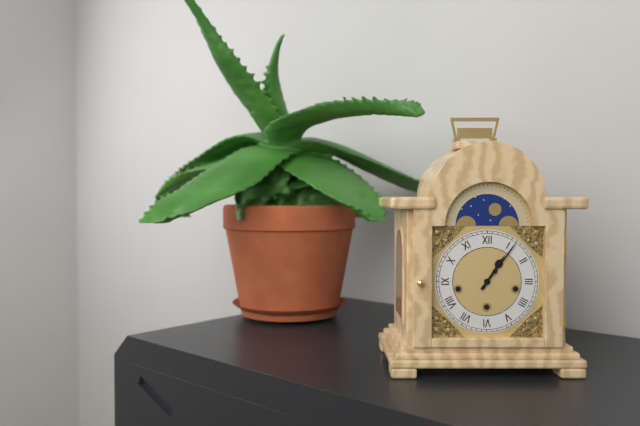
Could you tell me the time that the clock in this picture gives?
1:06
